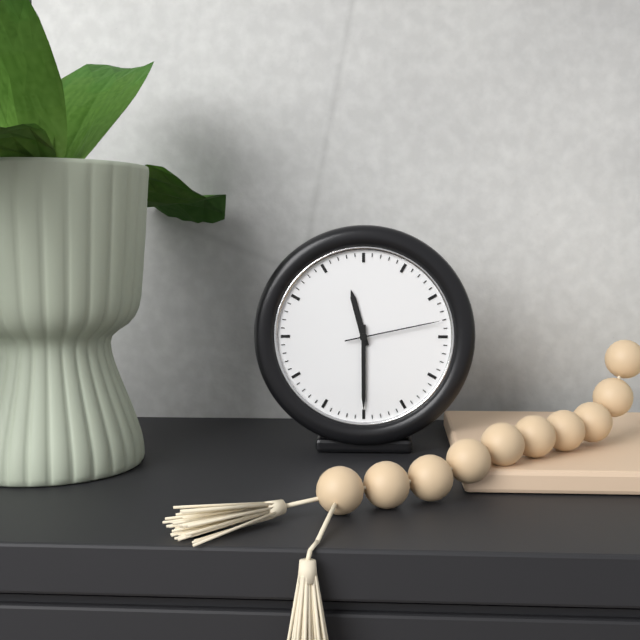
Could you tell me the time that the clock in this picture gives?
11:30:13
